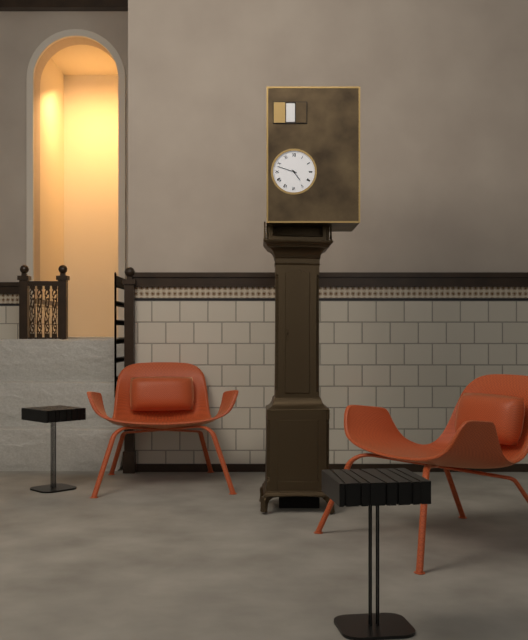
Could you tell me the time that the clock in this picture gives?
4:48
